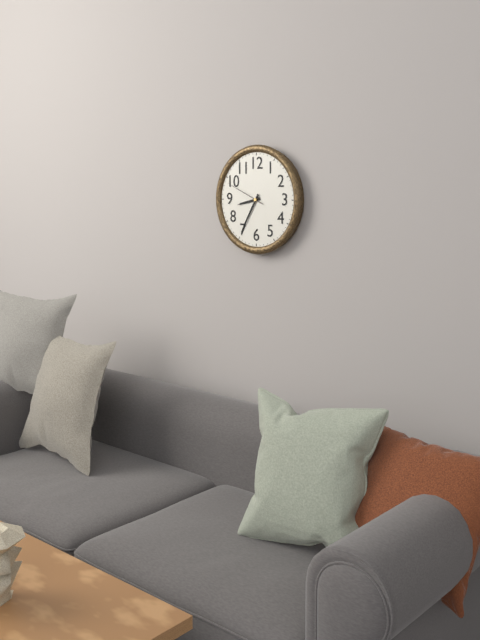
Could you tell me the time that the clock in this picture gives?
8:35
